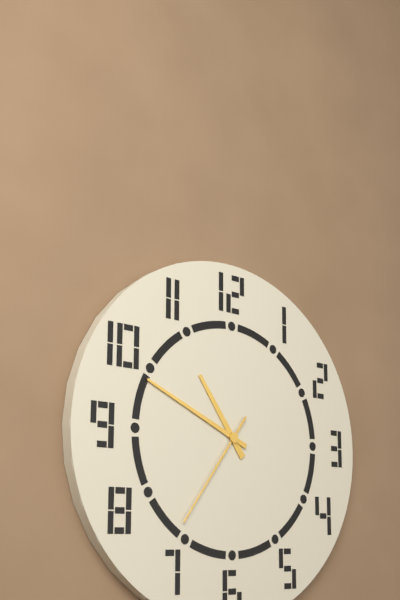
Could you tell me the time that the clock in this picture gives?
10:49:36
